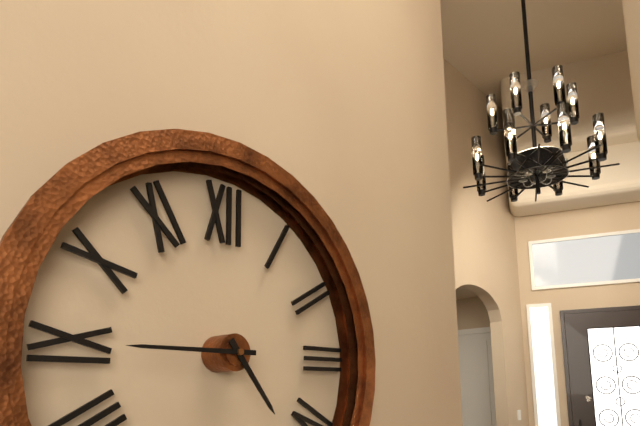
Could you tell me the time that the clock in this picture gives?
4:45
